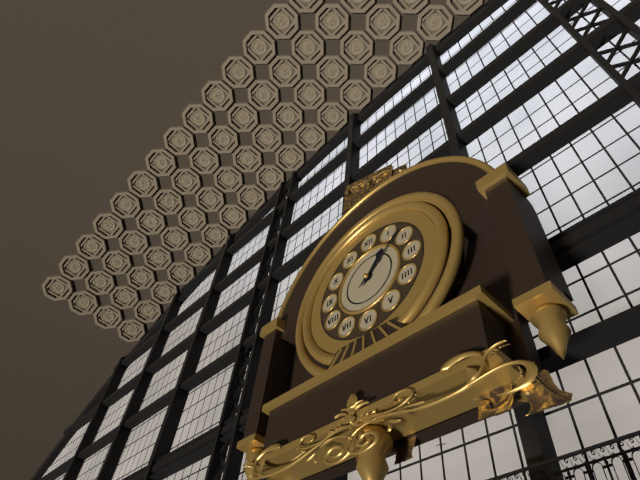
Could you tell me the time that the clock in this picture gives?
1:08
